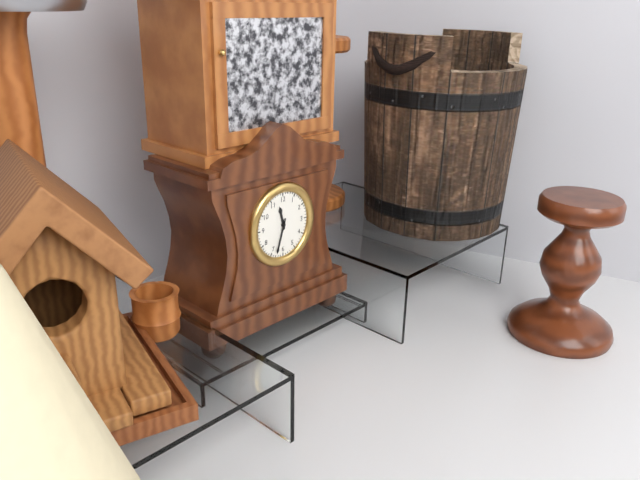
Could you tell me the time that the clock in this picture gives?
11:33
